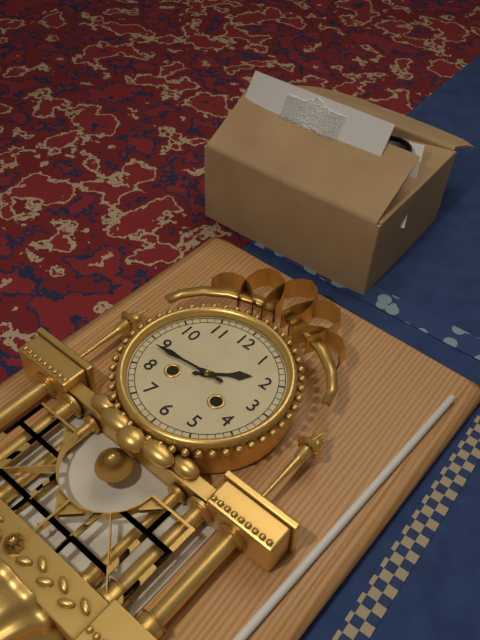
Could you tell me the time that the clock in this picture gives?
1:44
